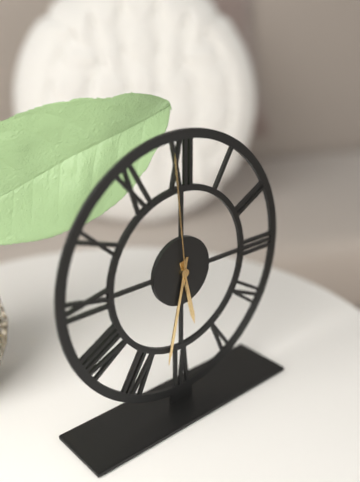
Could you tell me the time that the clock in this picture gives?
5:32:59
